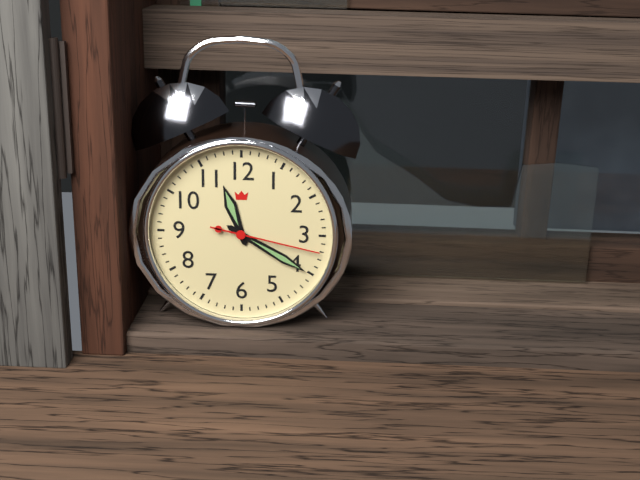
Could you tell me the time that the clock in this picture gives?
11:20:17
